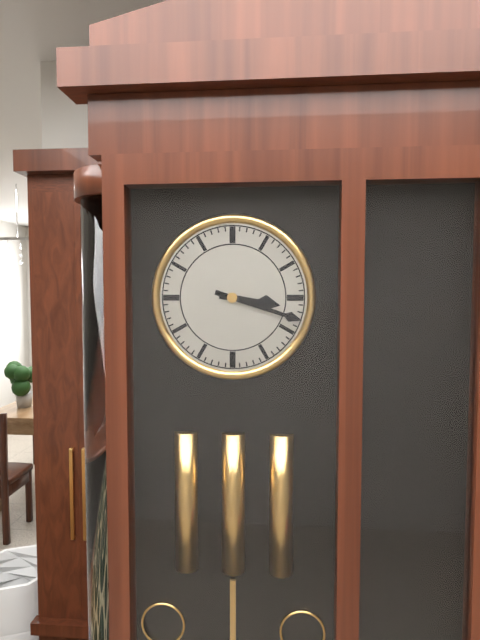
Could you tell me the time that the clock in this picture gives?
3:18
